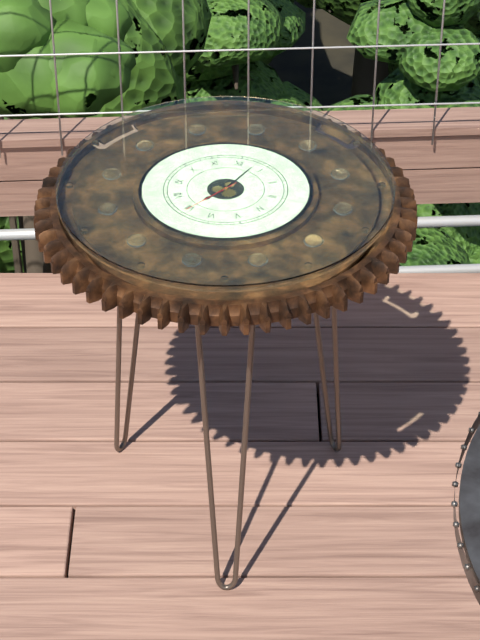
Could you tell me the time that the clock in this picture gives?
7:03:35
